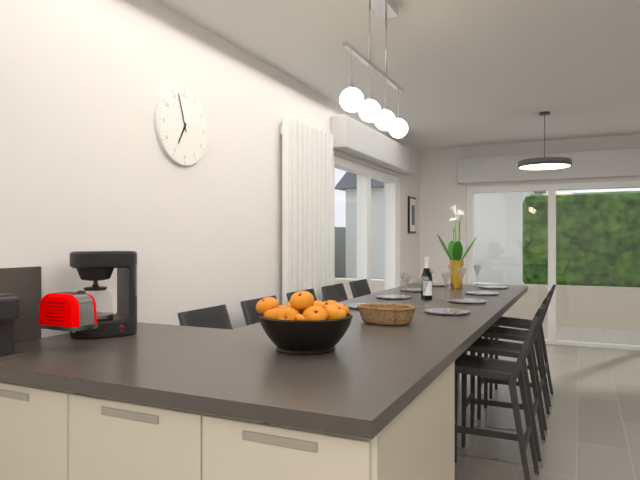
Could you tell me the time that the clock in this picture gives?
6:57
